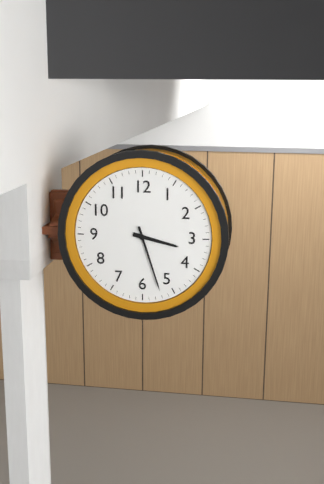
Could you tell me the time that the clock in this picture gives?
3:27
